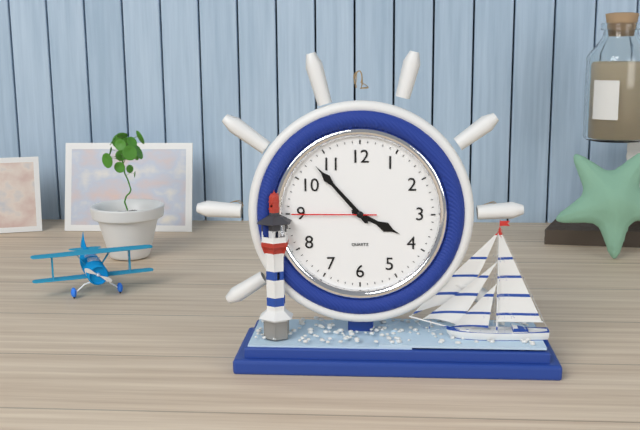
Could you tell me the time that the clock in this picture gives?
3:53:45
